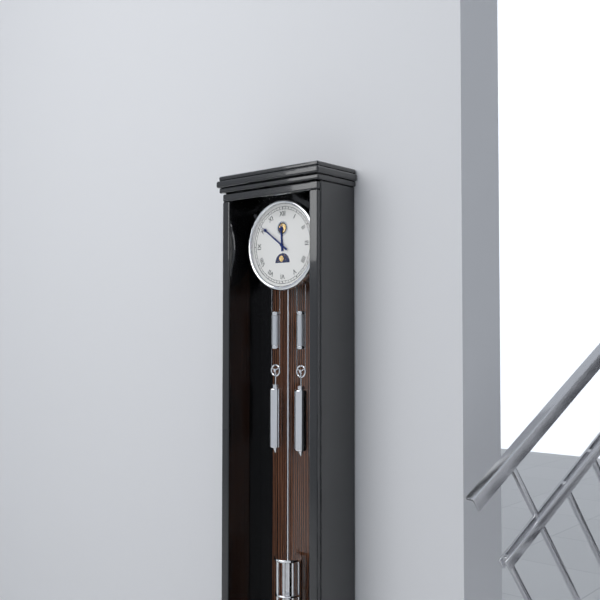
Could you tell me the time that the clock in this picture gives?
11:51
